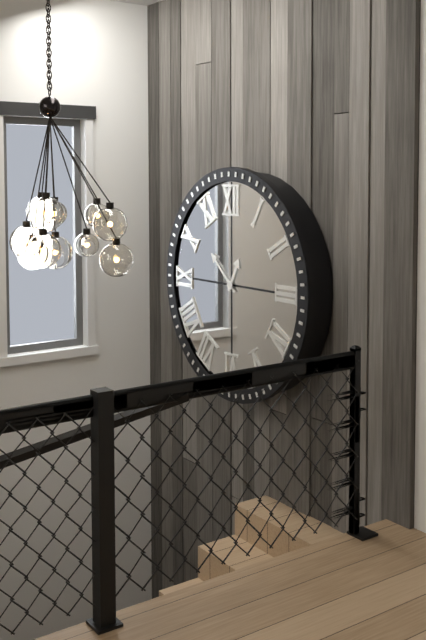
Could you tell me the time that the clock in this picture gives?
12:52
